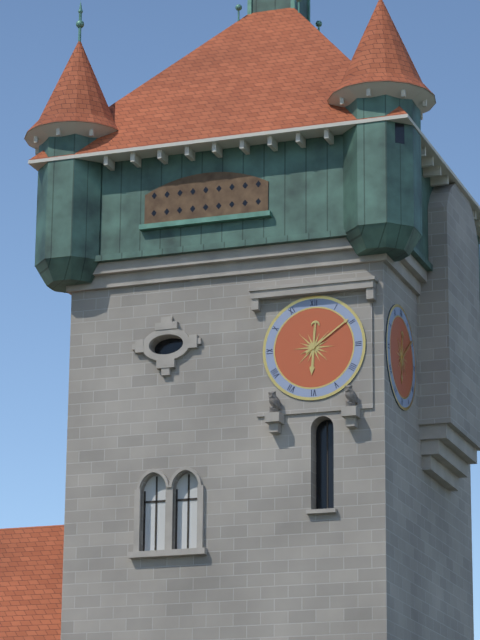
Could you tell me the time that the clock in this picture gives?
6:09
